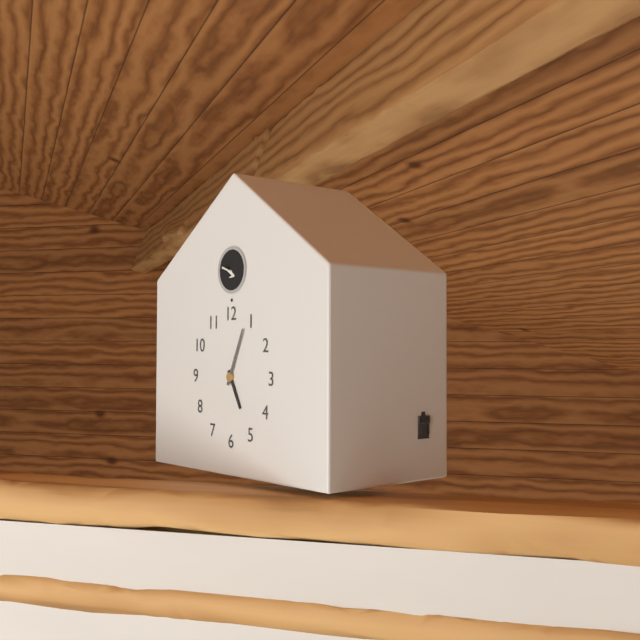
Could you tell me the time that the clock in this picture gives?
5:04
